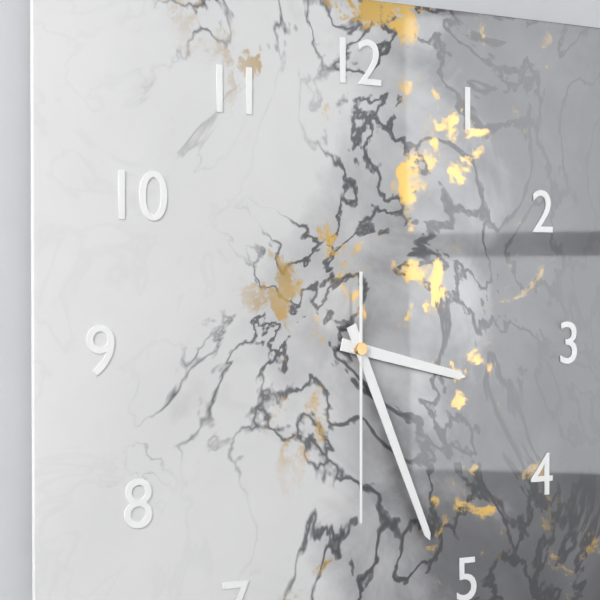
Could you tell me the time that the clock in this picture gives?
3:26:30
